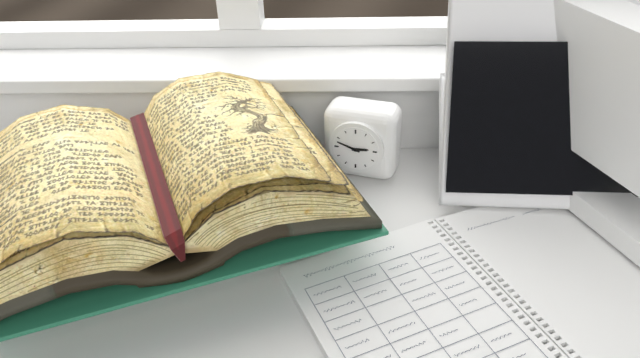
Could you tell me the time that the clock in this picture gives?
2:48
